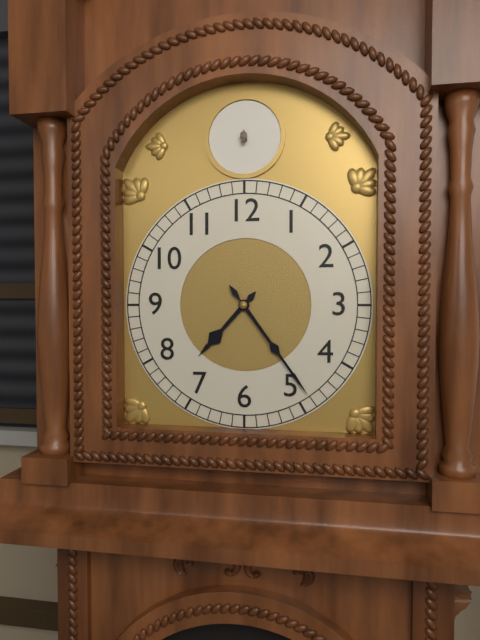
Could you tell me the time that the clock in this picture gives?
7:24
